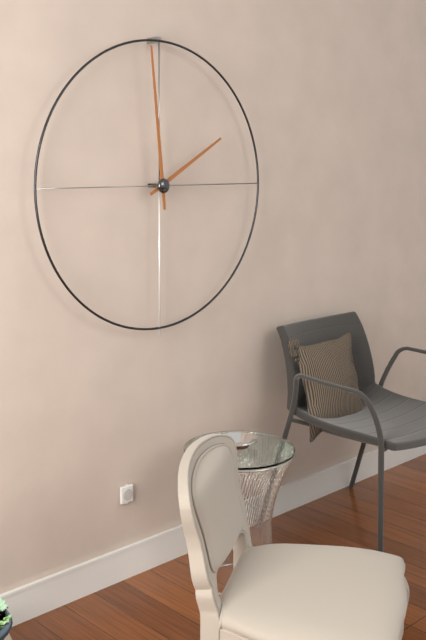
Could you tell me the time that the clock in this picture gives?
1:59
